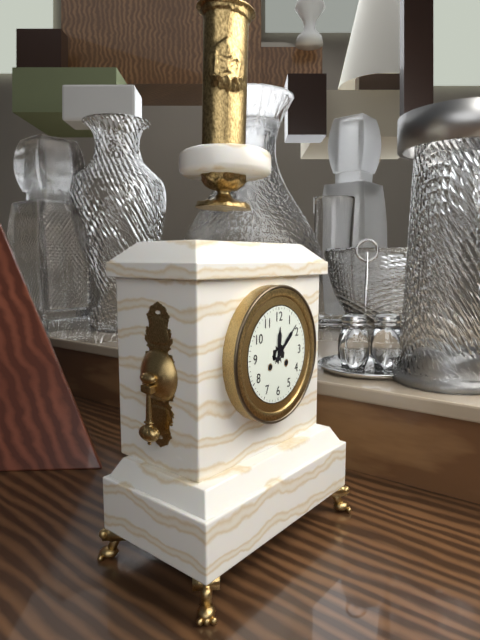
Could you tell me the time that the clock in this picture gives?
12:08
